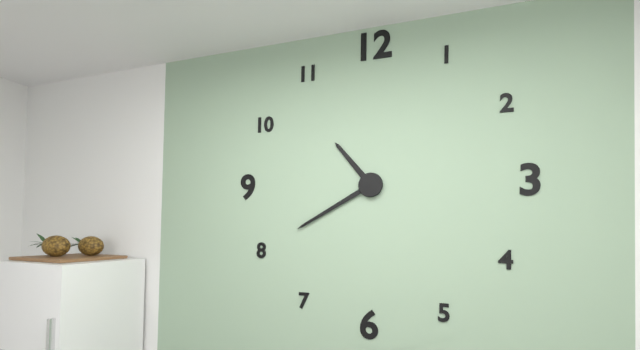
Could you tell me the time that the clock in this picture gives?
10:40
